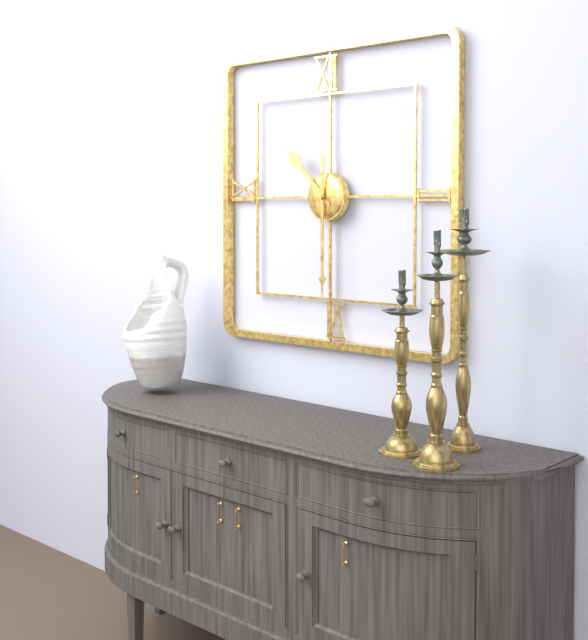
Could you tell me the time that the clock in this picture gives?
10:30
